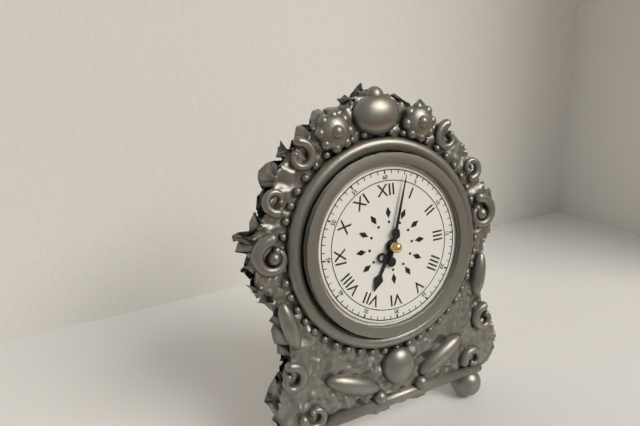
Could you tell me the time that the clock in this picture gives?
7:03
